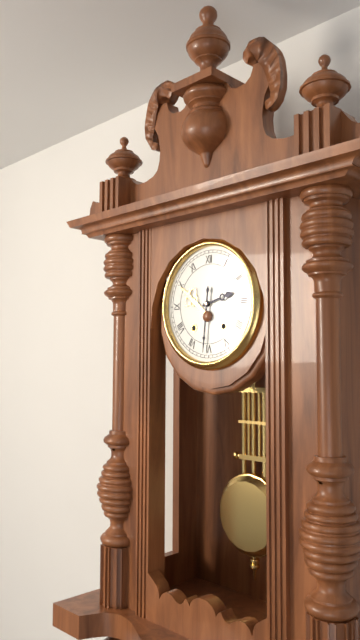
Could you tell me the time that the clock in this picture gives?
2:31
